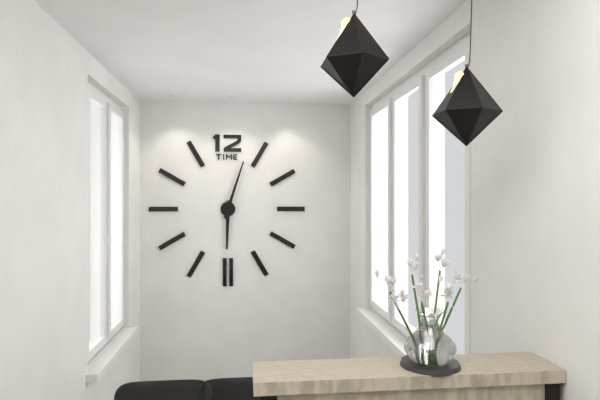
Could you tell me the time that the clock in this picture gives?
6:03
